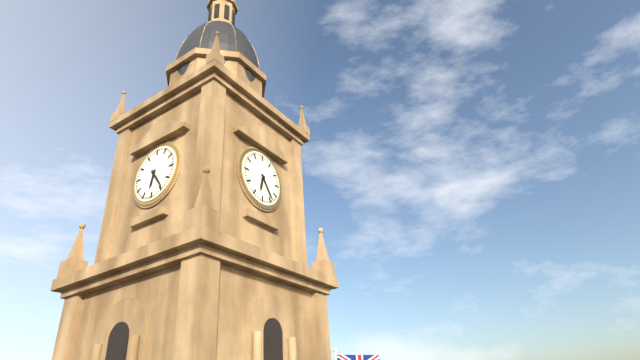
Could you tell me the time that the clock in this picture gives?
6:24
